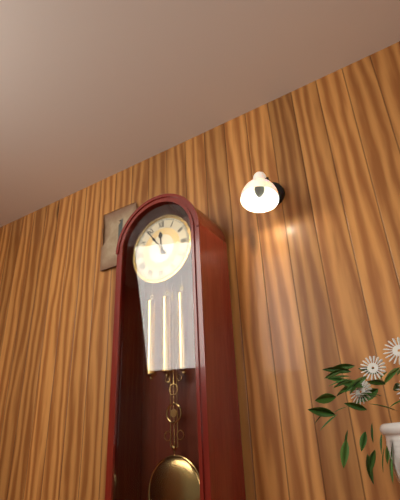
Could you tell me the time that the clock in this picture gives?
11:54
